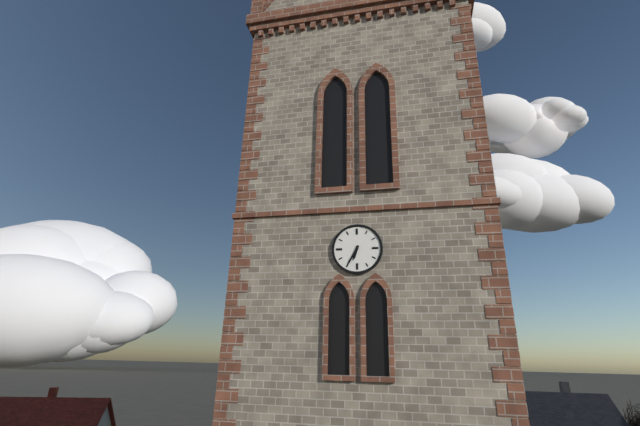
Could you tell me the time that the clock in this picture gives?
6:35
